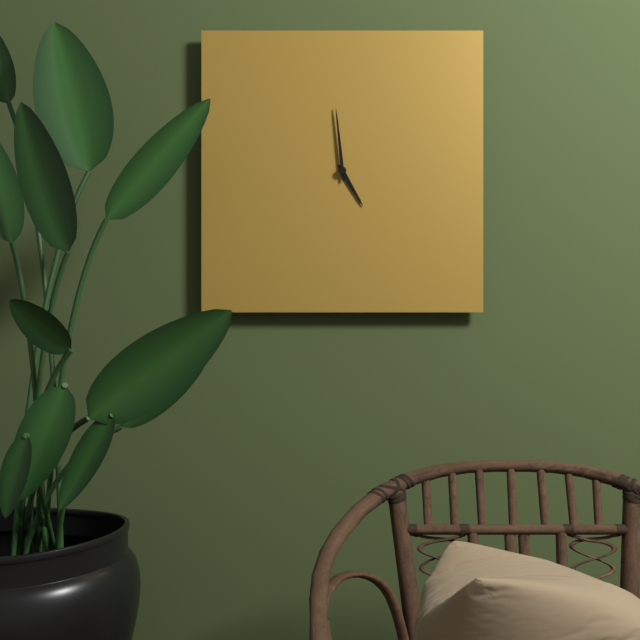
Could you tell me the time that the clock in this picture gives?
4:59
